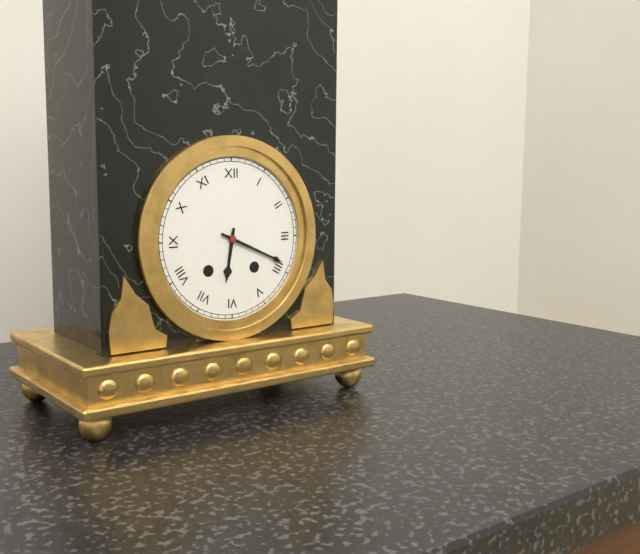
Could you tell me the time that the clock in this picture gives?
6:19
